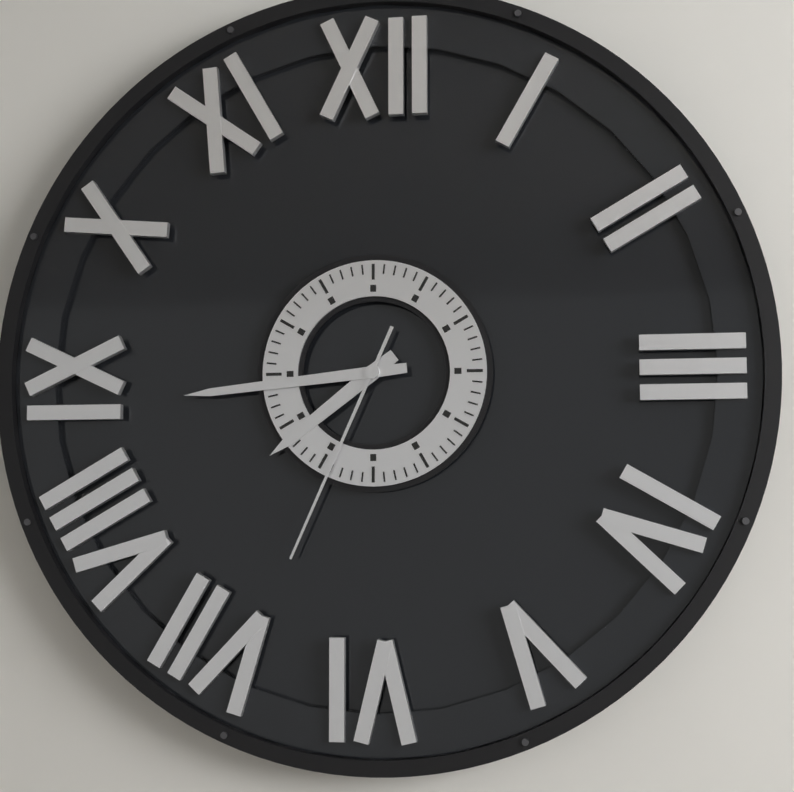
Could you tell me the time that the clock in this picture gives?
7:44:34
